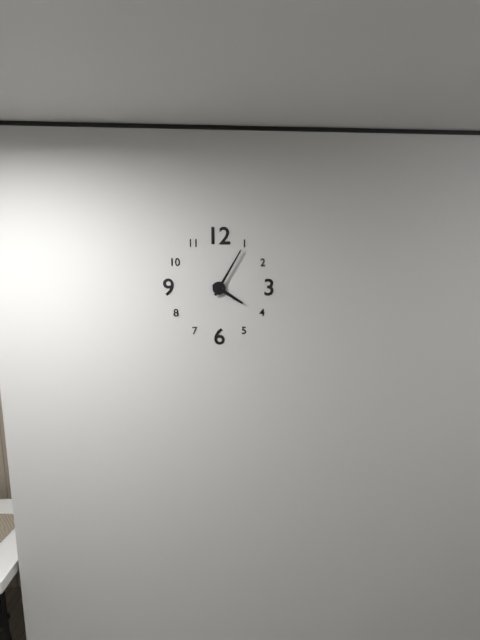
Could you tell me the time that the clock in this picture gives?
4:05
